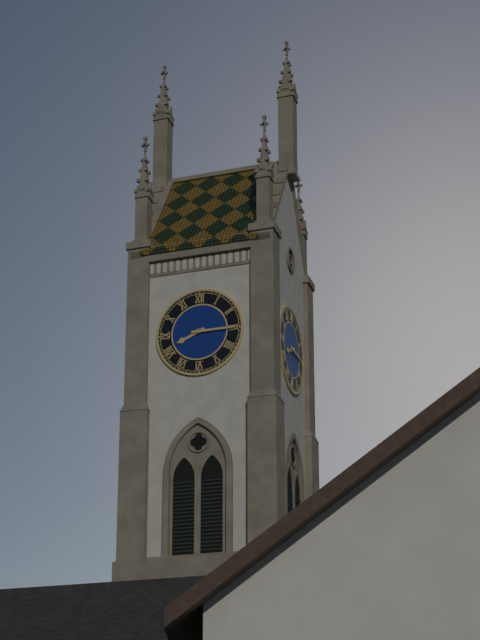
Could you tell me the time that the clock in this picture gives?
8:15
